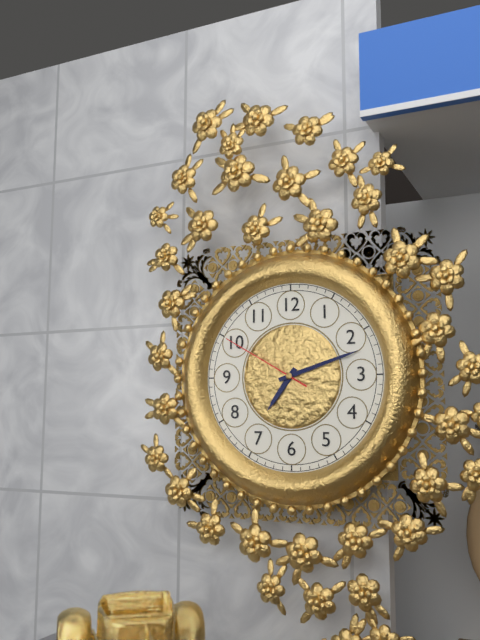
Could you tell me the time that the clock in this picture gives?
7:12:50
